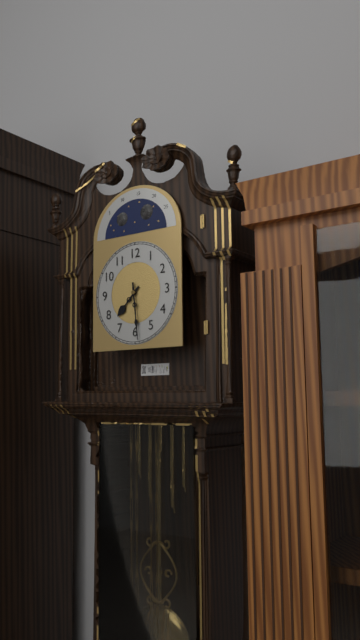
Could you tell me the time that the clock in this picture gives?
7:29
